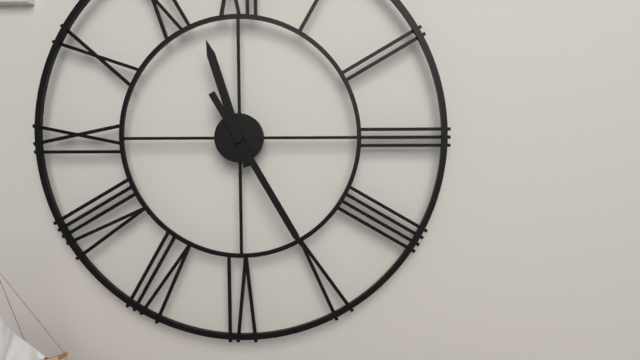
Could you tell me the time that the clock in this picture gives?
11:25
